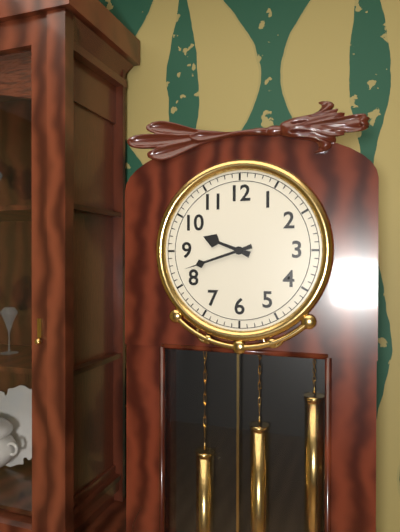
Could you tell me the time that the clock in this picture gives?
9:42
